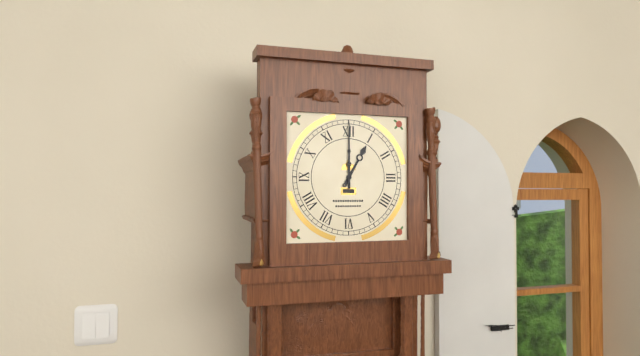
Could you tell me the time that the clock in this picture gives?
1:00
